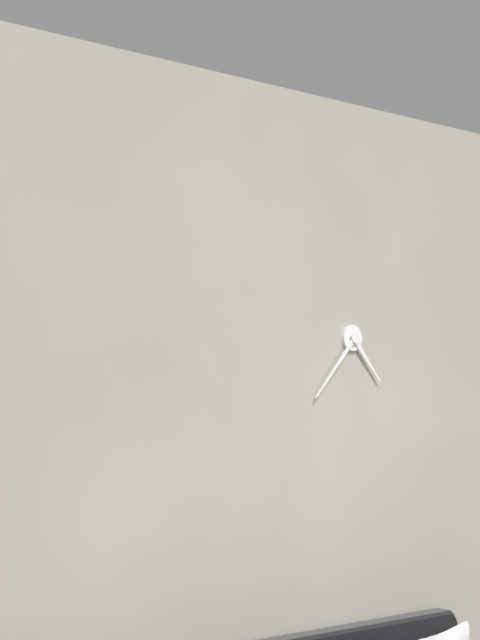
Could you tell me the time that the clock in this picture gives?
4:37
